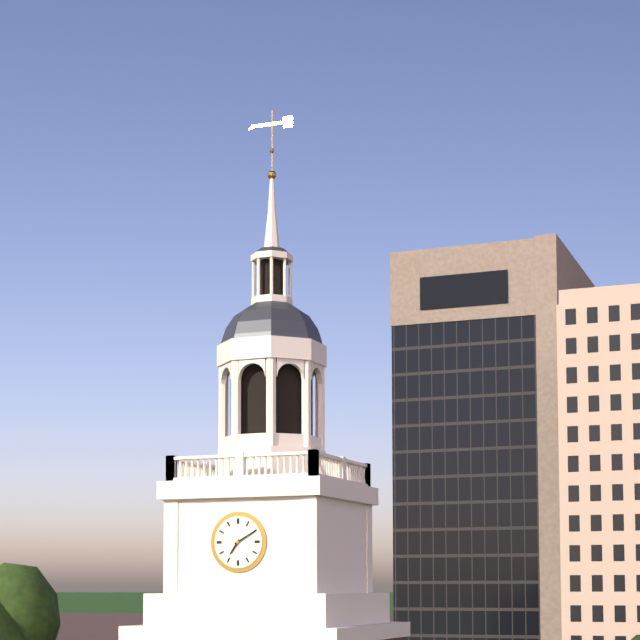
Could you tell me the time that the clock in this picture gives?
7:10
